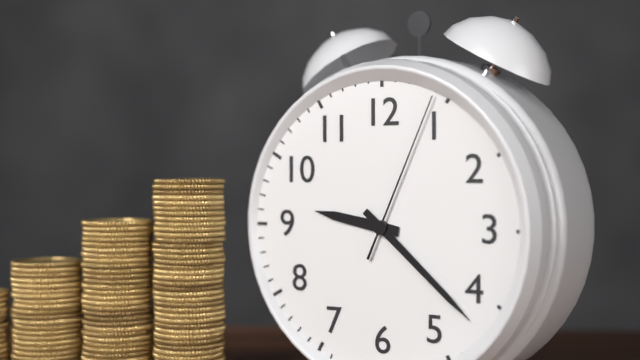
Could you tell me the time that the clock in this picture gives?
9:22:04
